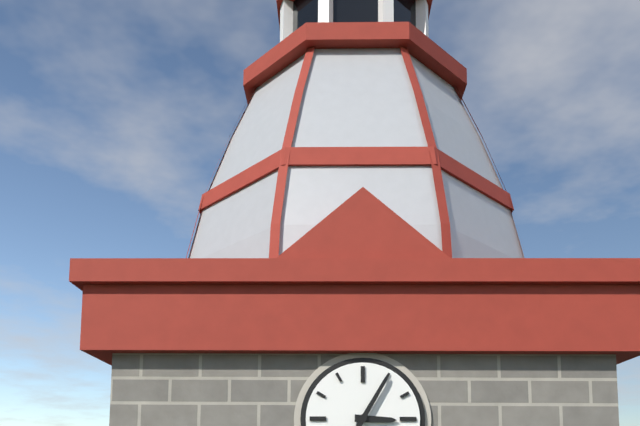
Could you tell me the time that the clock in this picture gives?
3:05
